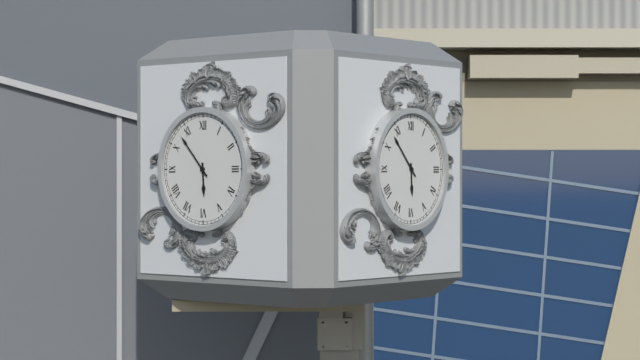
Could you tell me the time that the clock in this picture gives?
5:53
